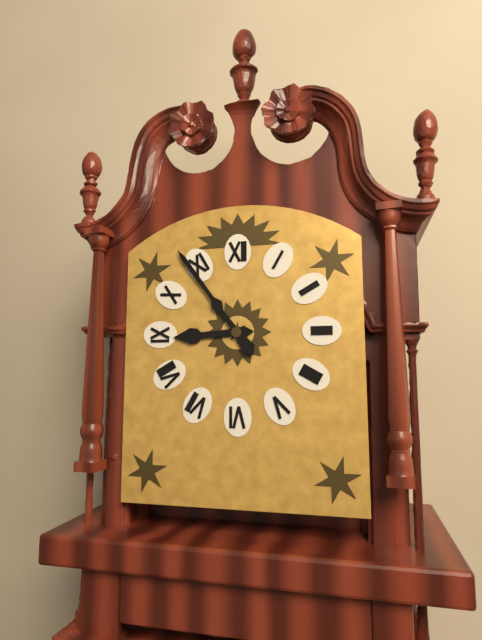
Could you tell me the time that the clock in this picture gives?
8:54
